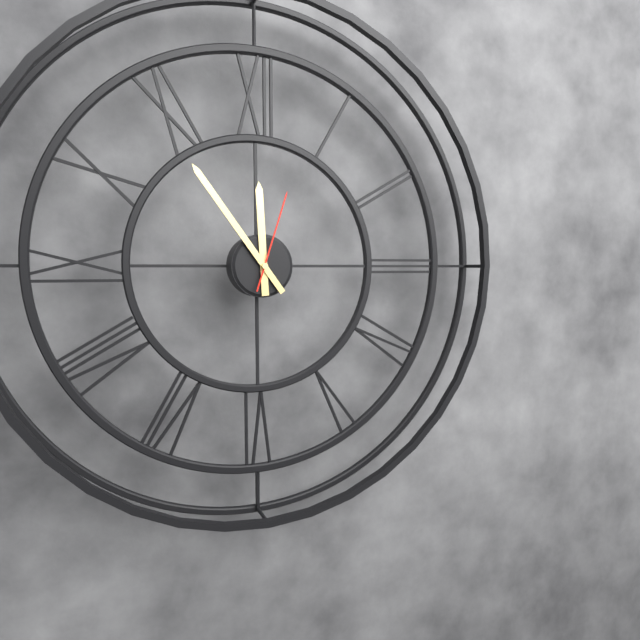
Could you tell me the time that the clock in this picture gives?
11:54:03
